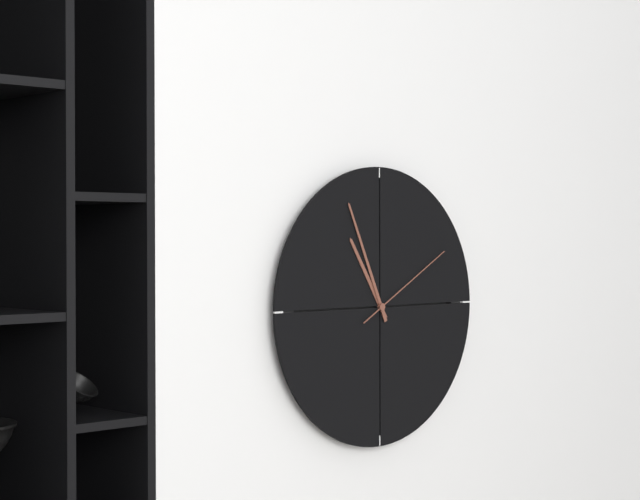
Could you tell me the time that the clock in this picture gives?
10:56:10
